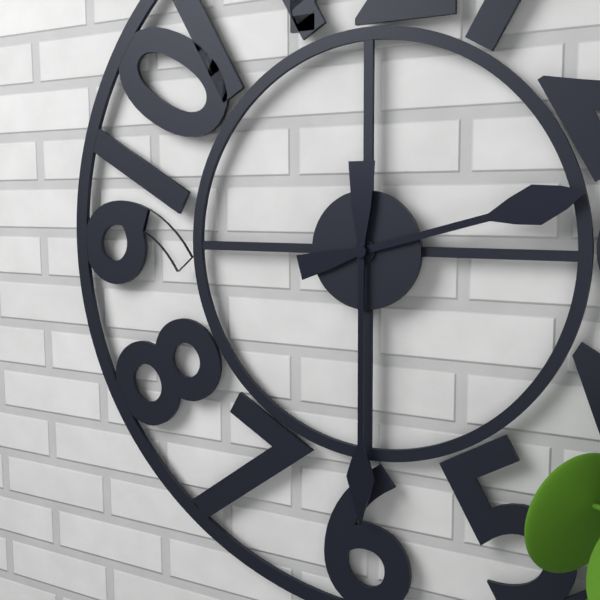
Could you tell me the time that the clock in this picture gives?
2:30
